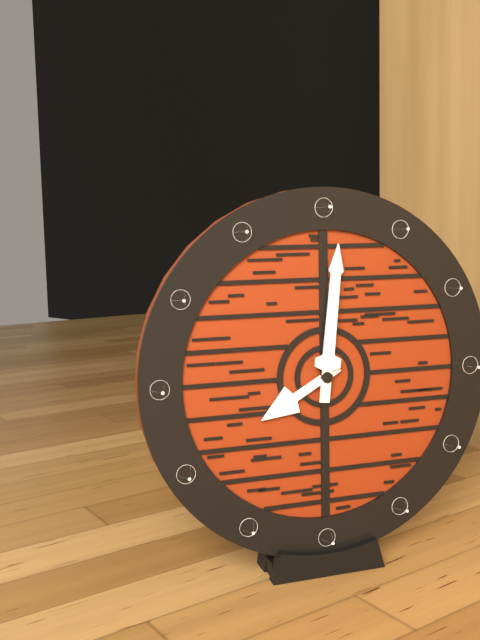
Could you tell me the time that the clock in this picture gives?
8:01
